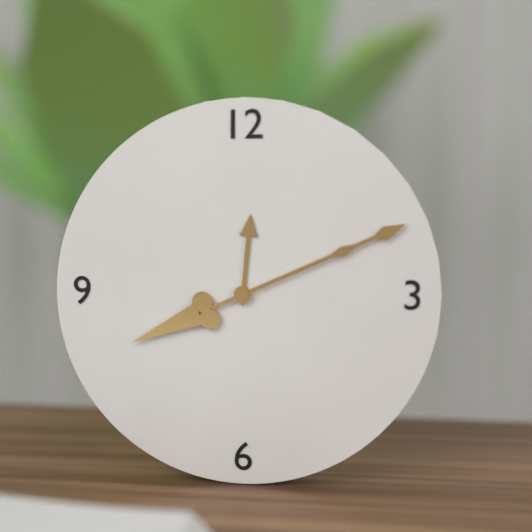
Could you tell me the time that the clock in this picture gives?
12:11
